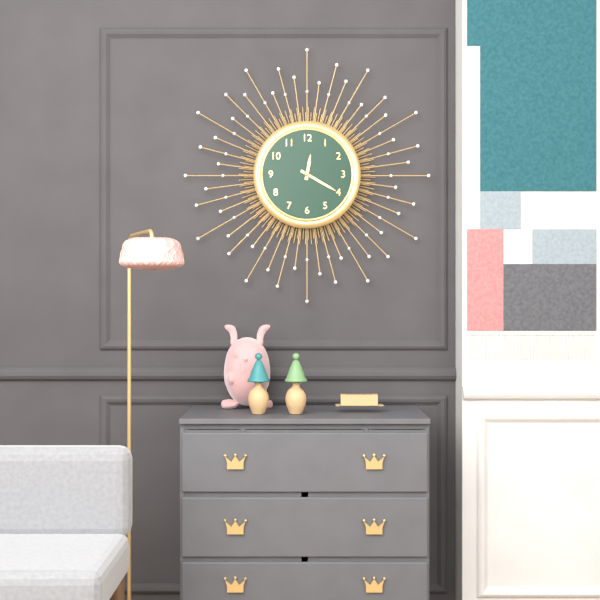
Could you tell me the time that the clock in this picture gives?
12:20
